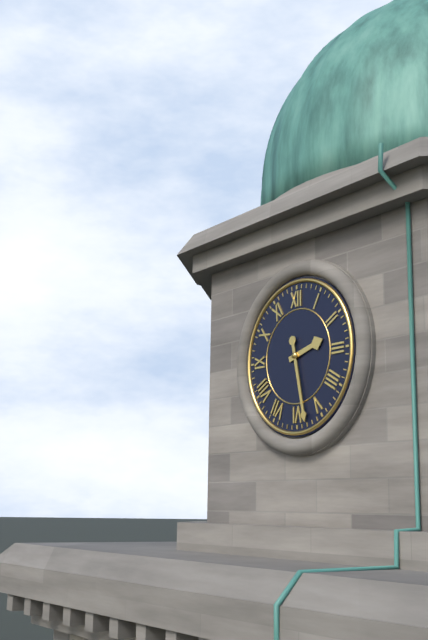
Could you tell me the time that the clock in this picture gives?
2:28
